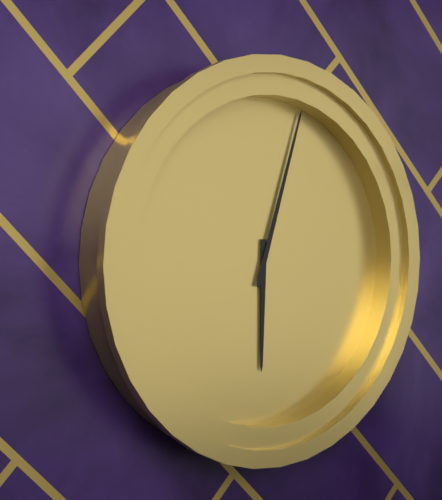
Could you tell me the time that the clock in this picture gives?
6:03
